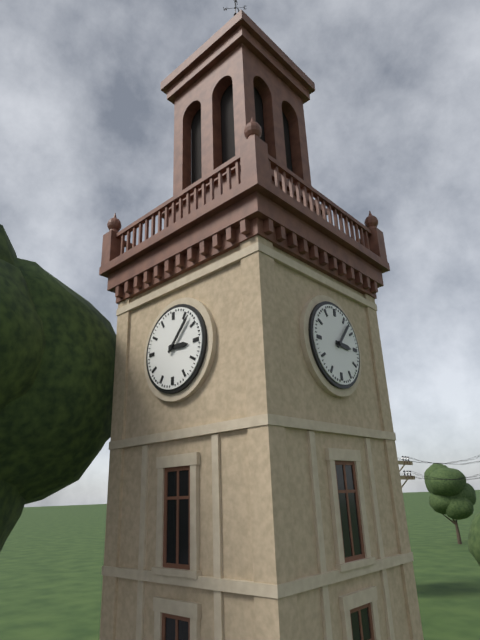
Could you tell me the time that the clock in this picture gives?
3:07
